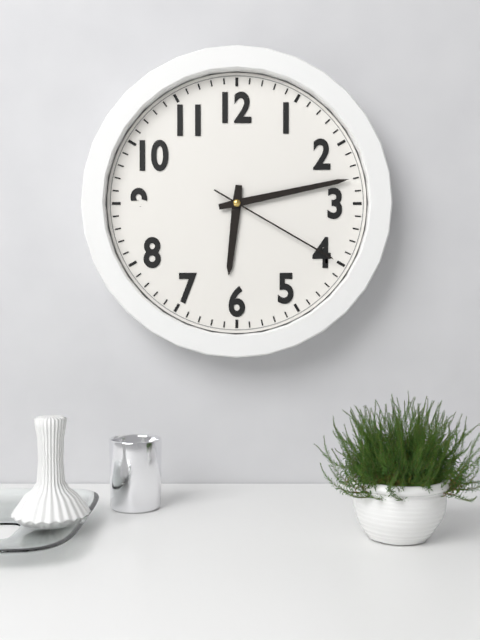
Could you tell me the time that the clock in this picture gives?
6:13:20
